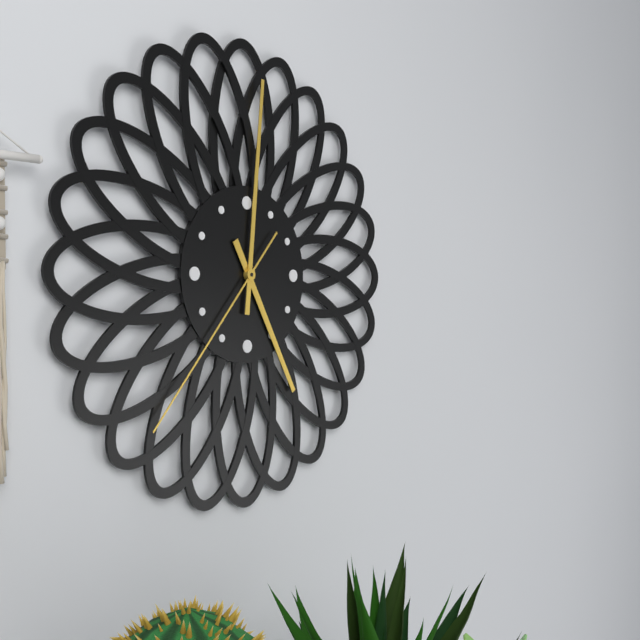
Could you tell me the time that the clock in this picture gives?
5:01:37
